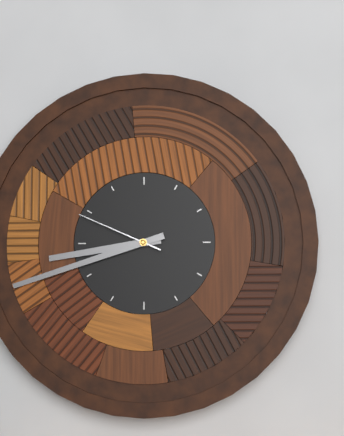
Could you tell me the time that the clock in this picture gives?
8:42:49
